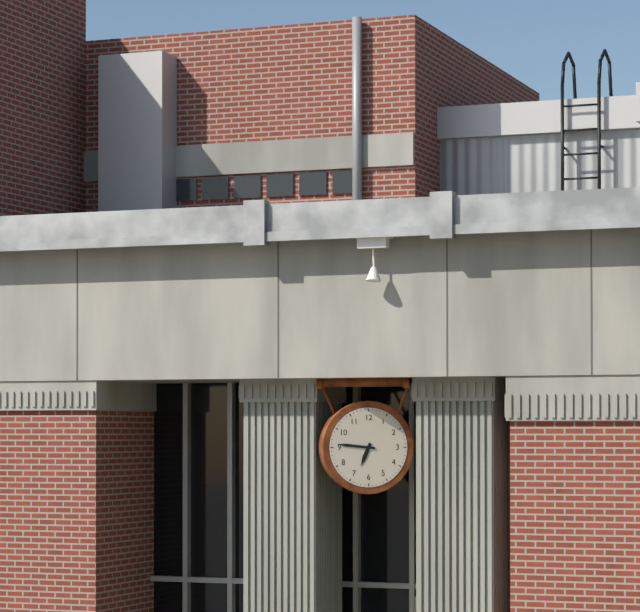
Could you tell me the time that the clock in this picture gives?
6:46
